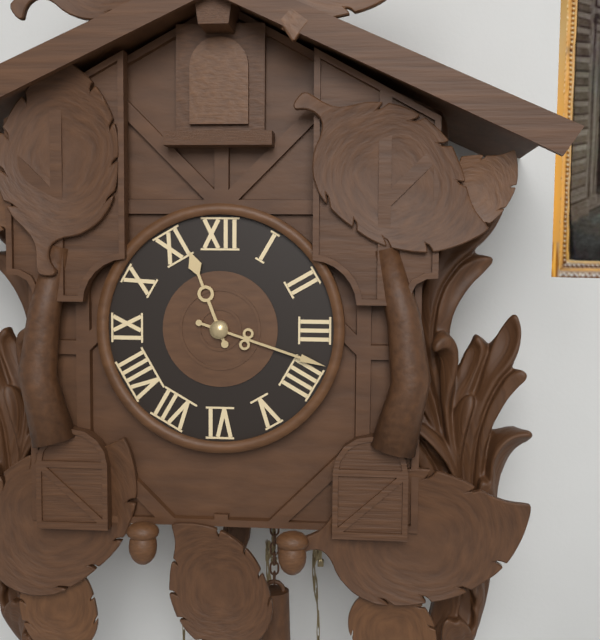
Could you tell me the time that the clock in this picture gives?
11:18
